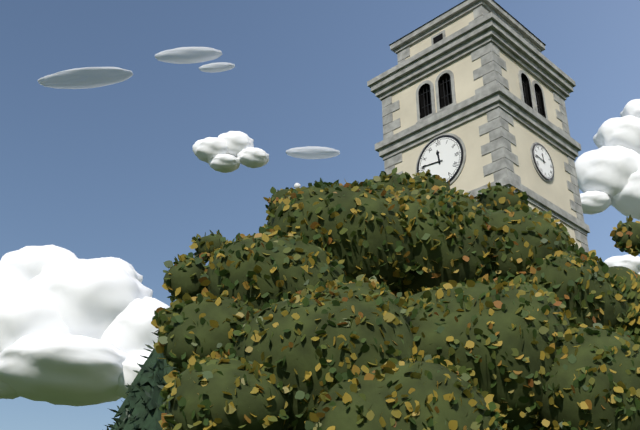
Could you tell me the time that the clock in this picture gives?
11:46
